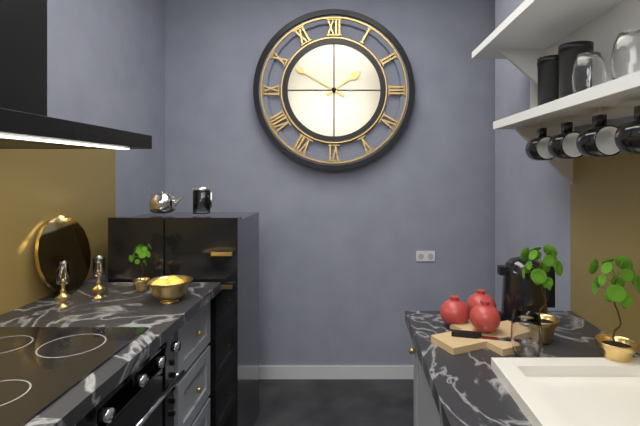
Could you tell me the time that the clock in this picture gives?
1:50
